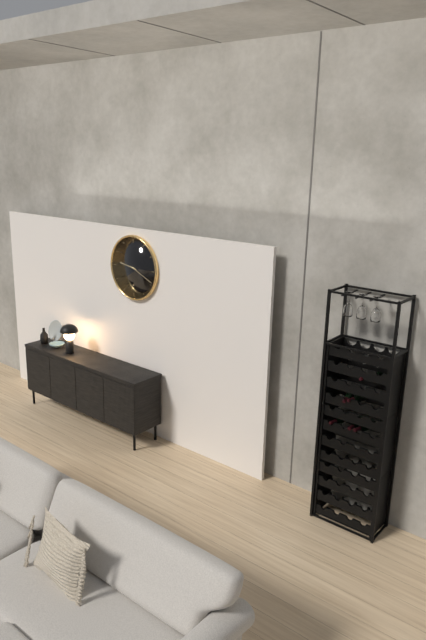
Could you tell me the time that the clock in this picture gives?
9:19
